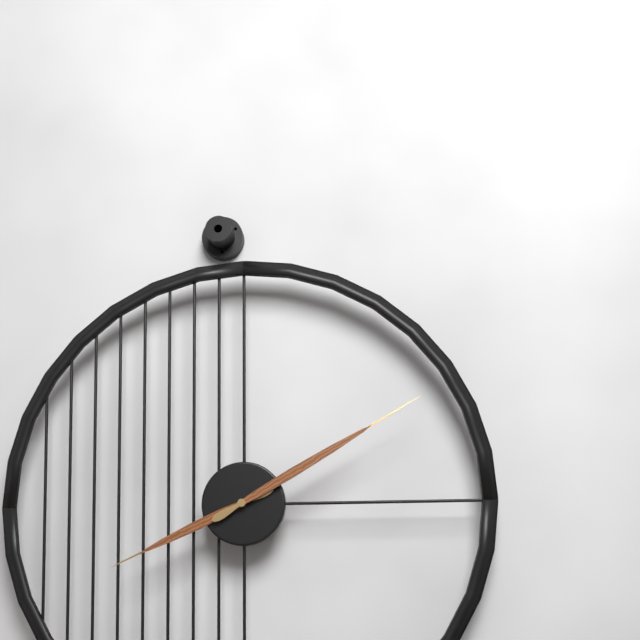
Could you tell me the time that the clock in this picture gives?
8:10
